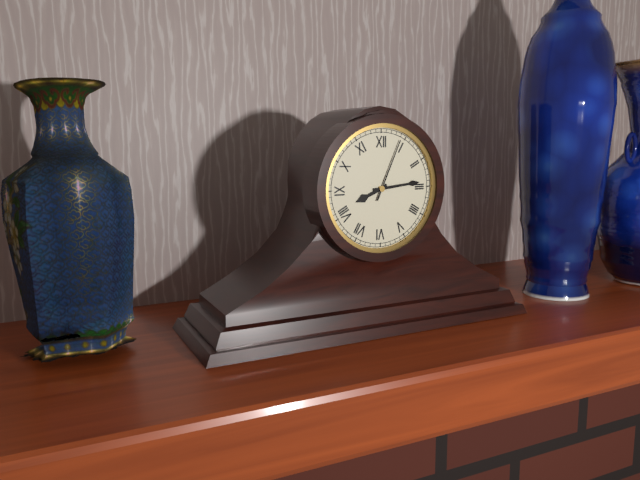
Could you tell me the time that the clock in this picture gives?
8:14:04
